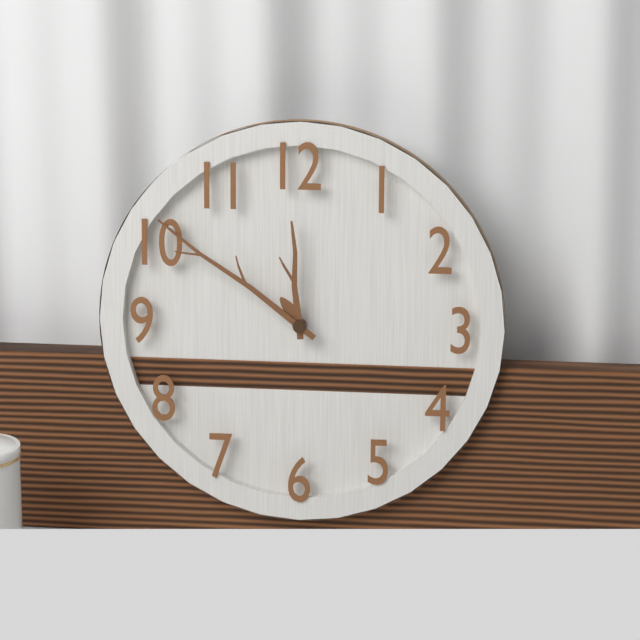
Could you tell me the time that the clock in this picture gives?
11:51
